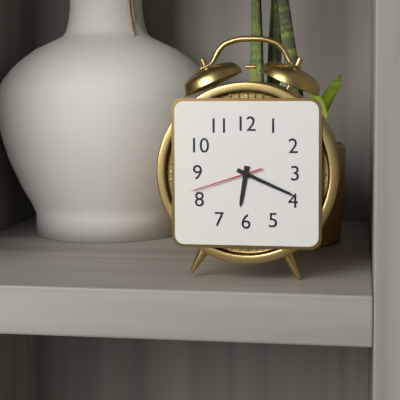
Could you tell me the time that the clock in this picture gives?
6:19:42
